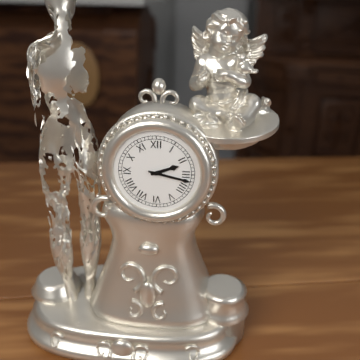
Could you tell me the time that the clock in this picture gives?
2:17
